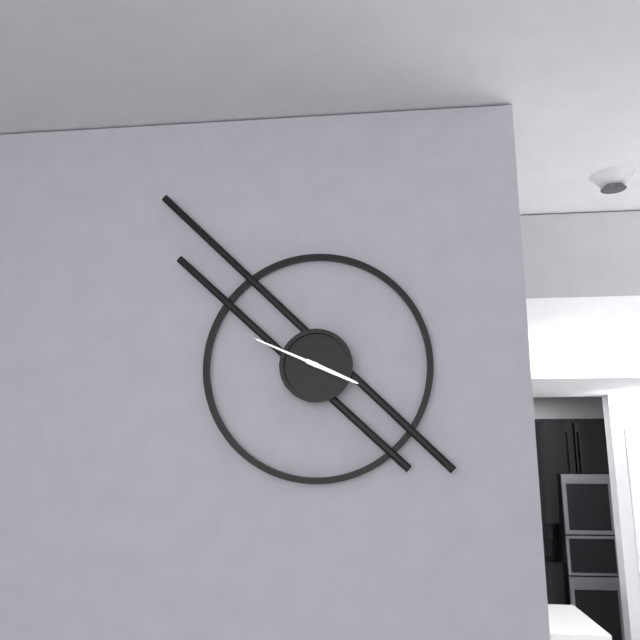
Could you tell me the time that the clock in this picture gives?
3:49
